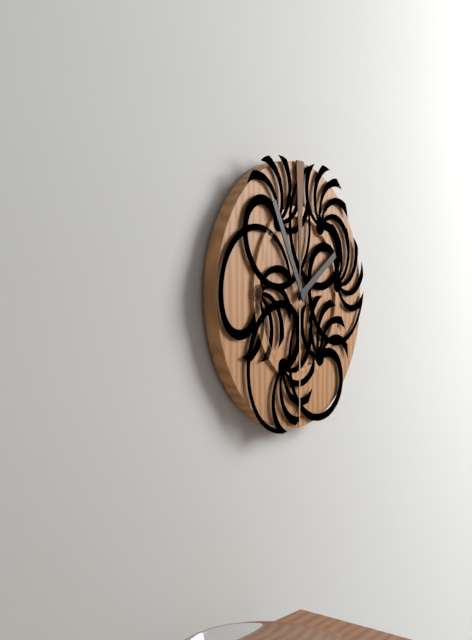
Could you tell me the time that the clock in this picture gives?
1:55
